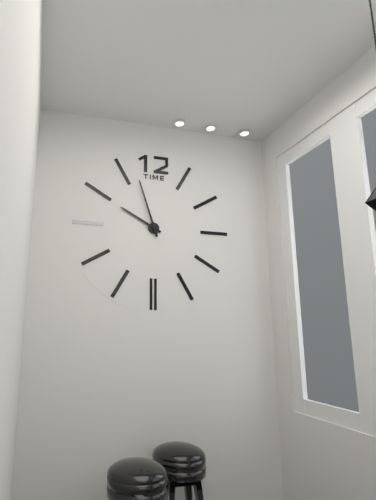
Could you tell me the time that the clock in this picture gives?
9:57
